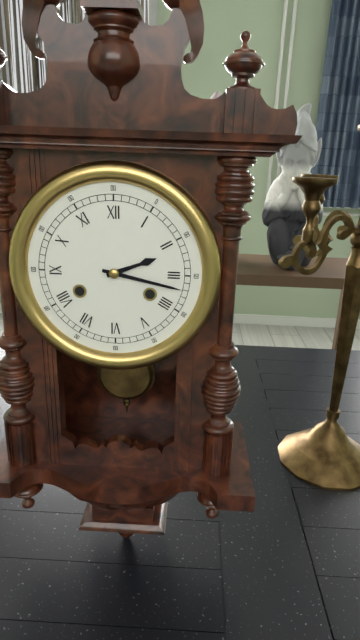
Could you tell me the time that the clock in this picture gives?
2:17
